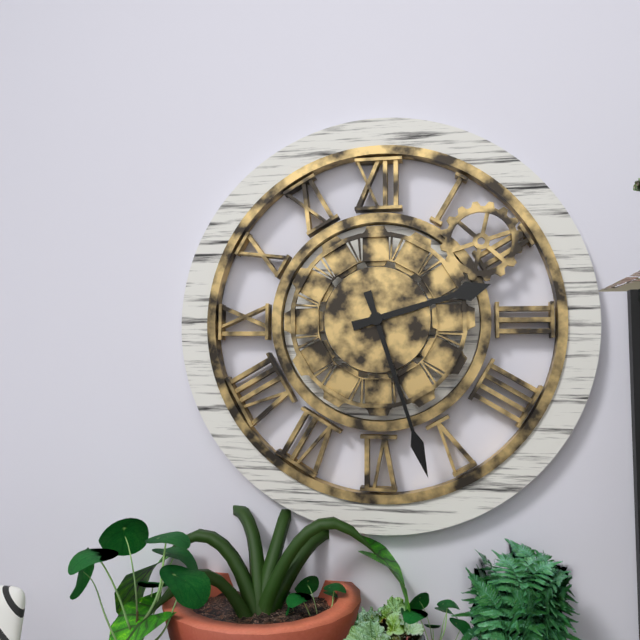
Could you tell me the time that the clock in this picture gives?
2:27
